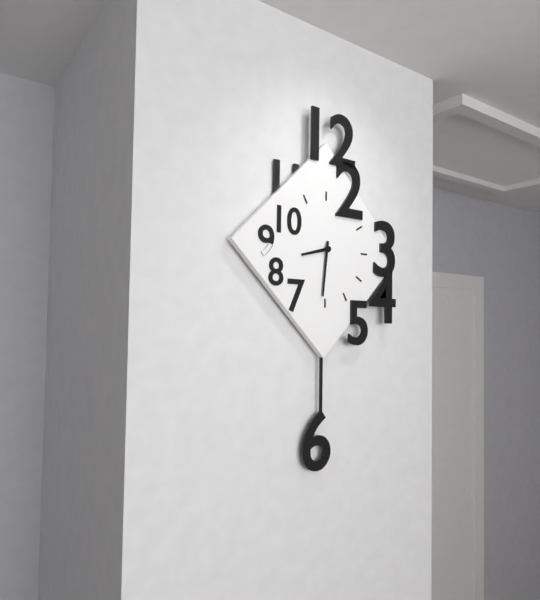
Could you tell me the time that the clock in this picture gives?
8:31
